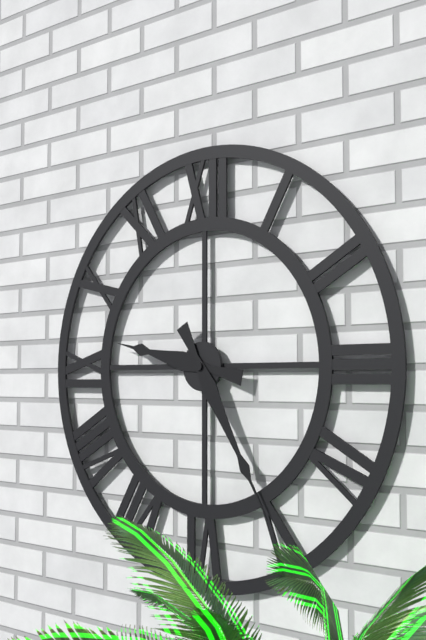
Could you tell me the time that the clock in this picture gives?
9:25
